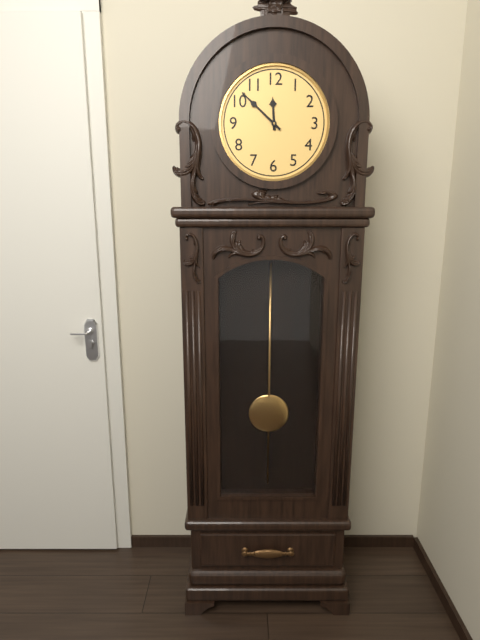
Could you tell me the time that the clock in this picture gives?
11:52
